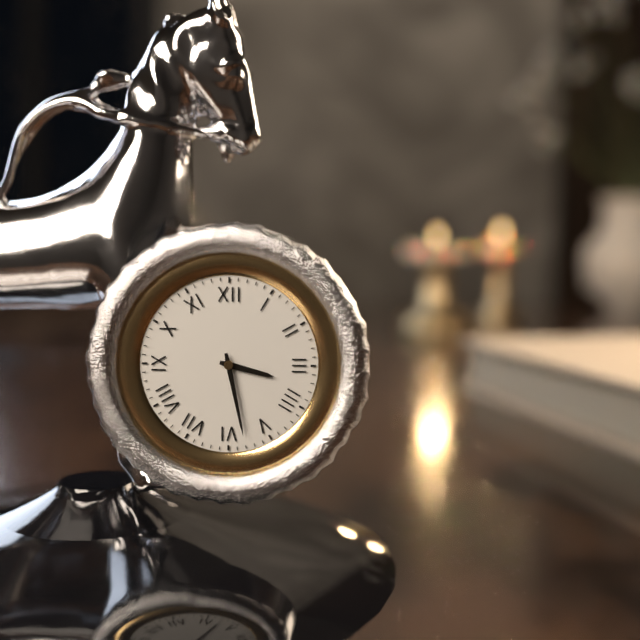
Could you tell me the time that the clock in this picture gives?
3:28
